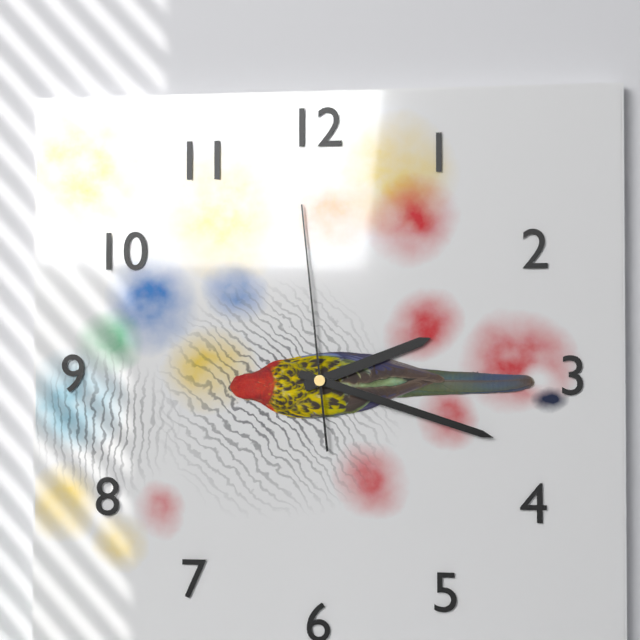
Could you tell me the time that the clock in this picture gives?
2:18:59
